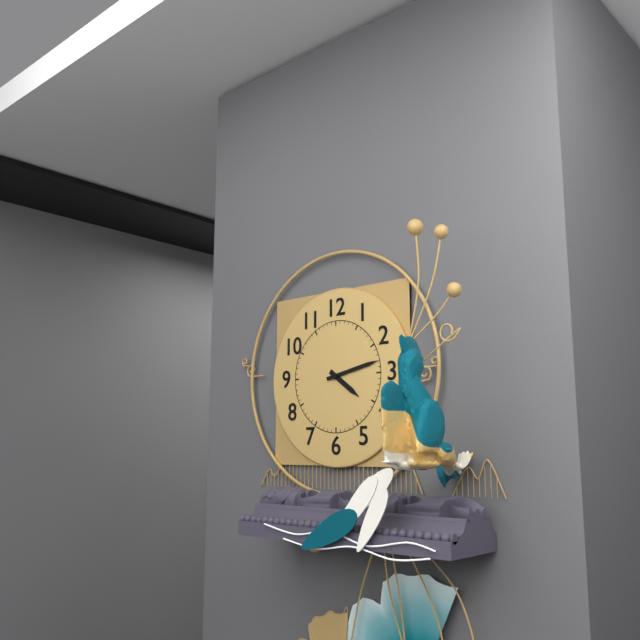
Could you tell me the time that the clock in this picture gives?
4:13
